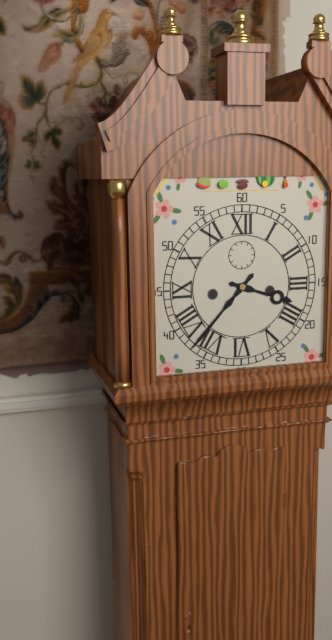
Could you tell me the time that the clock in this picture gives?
3:37
